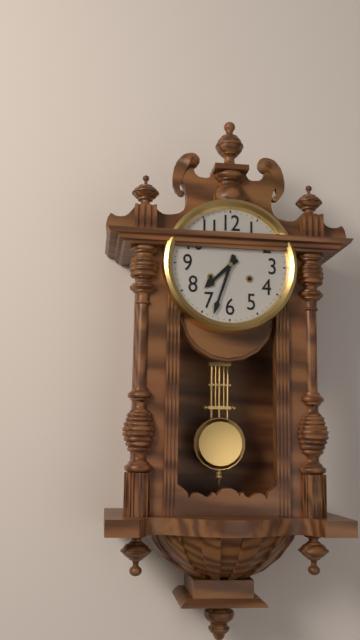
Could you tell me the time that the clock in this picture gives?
7:33
